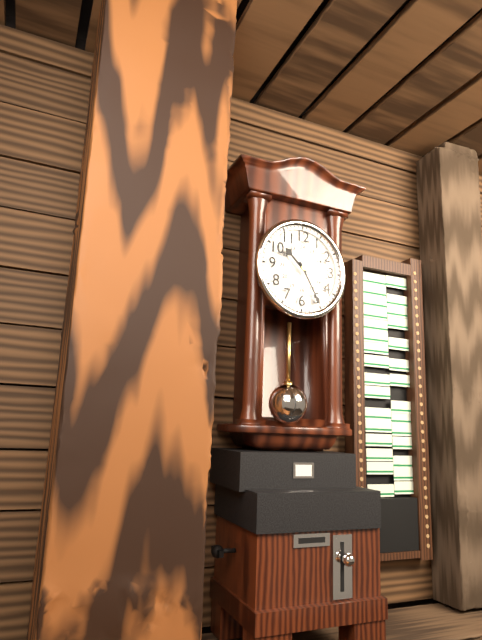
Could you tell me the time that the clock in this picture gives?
10:25
